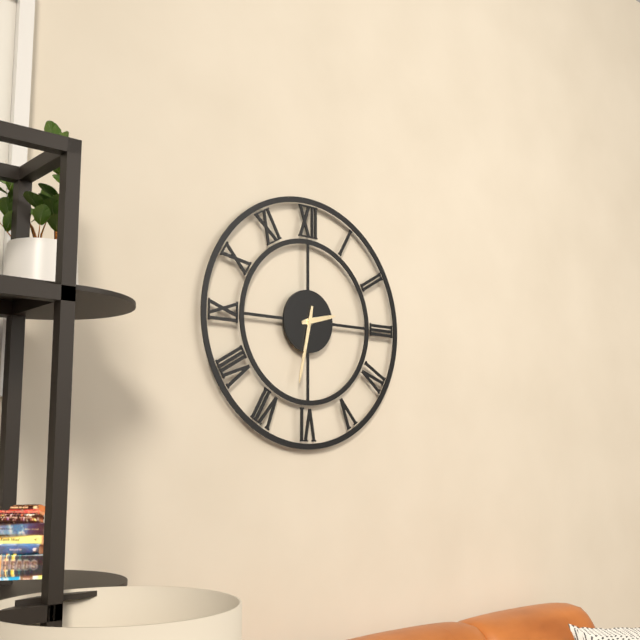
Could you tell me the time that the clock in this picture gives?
2:32
